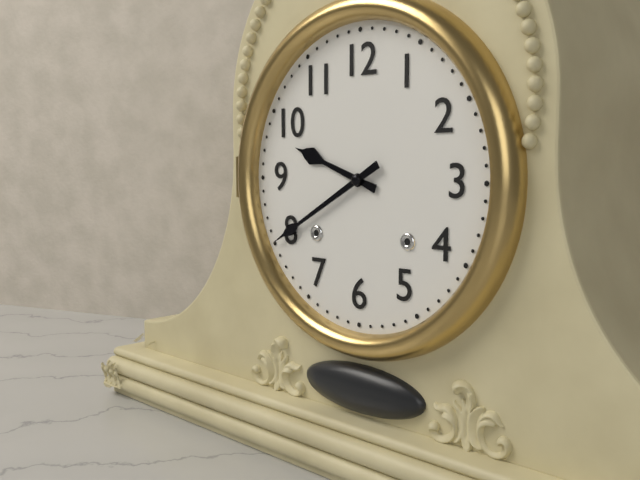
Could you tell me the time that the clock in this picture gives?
9:40
